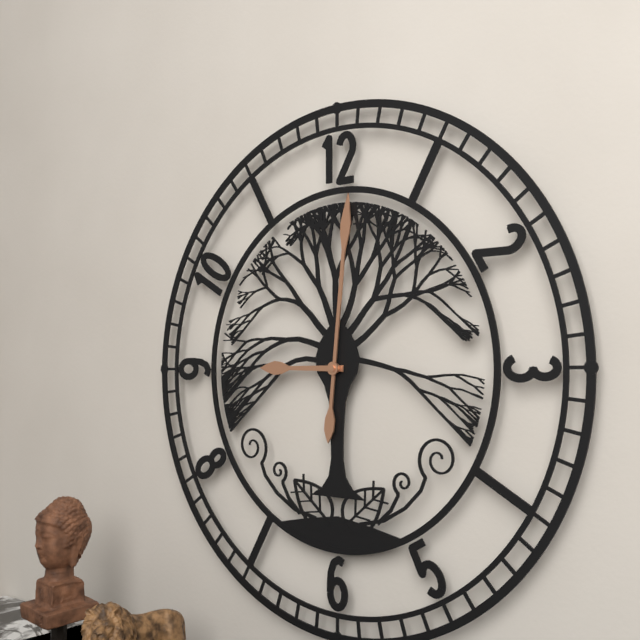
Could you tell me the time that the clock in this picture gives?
9:01
